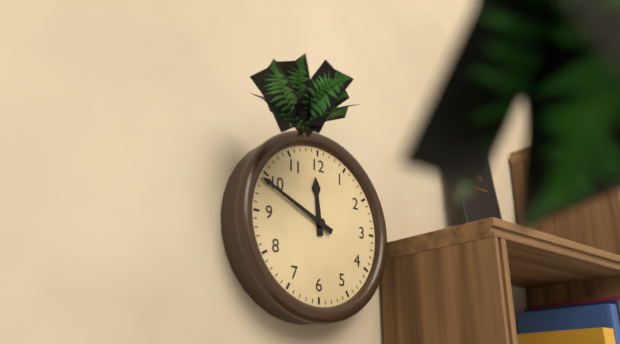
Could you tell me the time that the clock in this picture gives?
11:49
